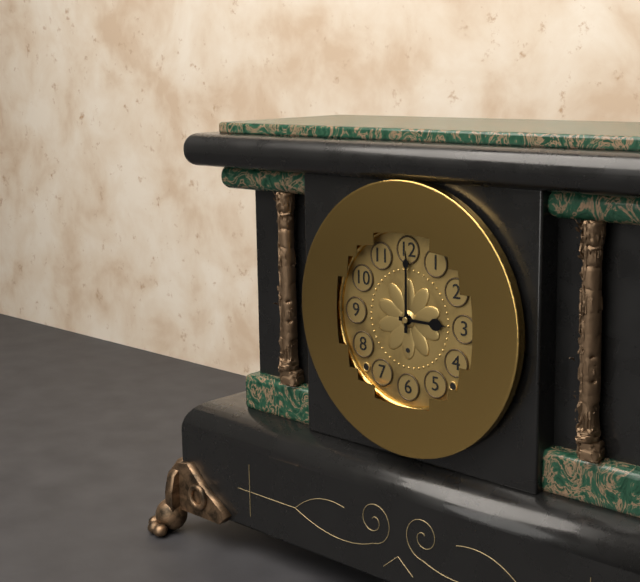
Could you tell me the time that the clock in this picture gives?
3:00
